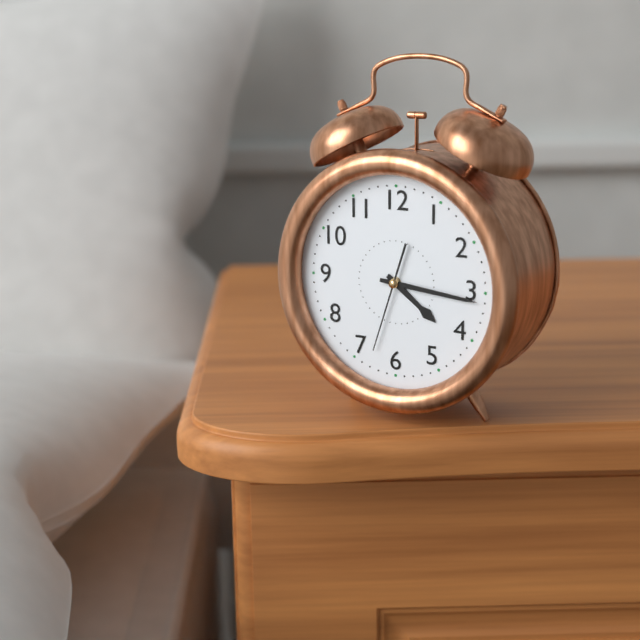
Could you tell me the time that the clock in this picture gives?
4:16:33
